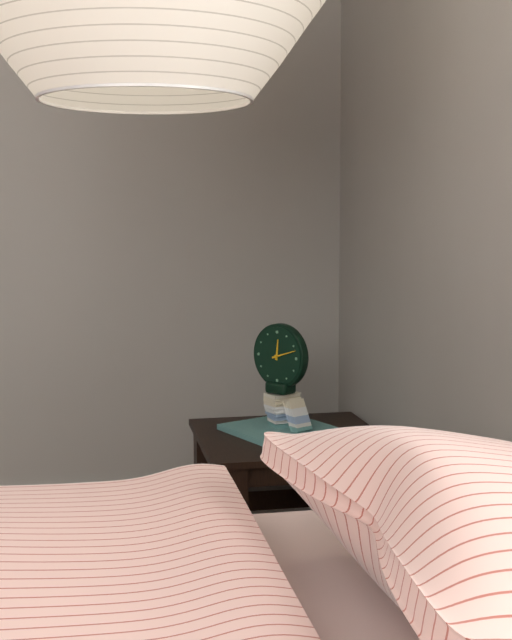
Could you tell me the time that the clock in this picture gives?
12:12
